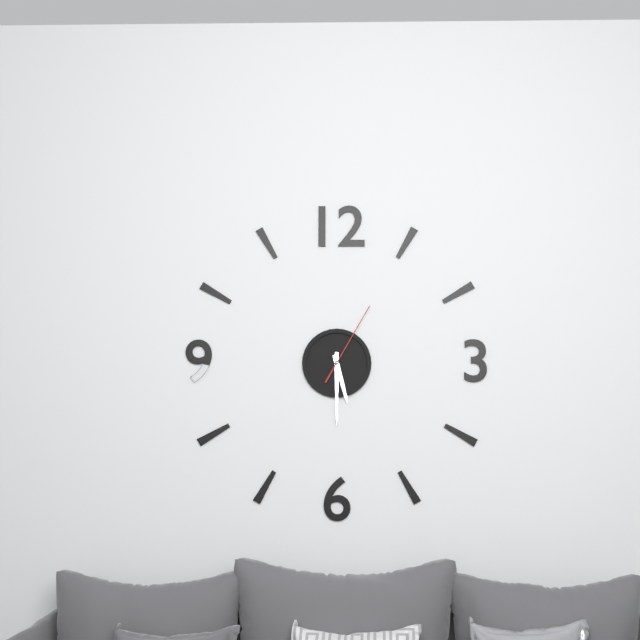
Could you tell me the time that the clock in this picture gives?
5:30:05
